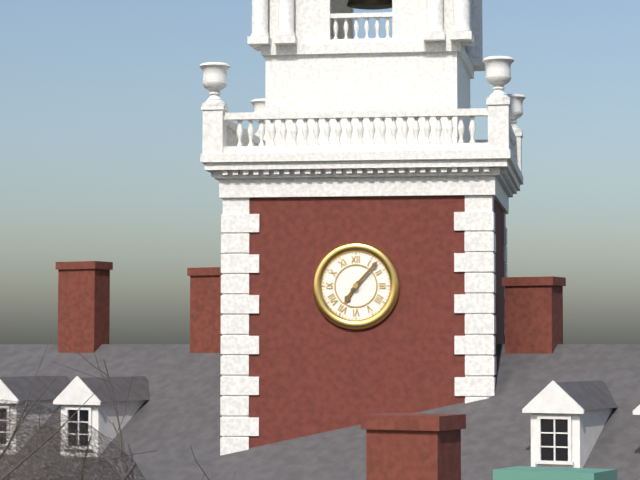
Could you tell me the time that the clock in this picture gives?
7:07
